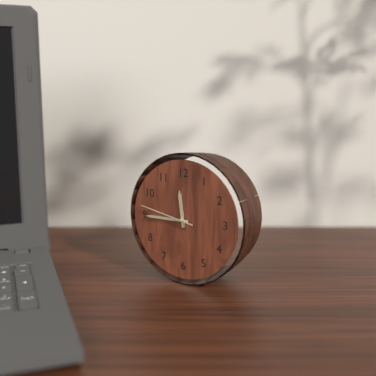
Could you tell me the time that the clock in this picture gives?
11:45:47
